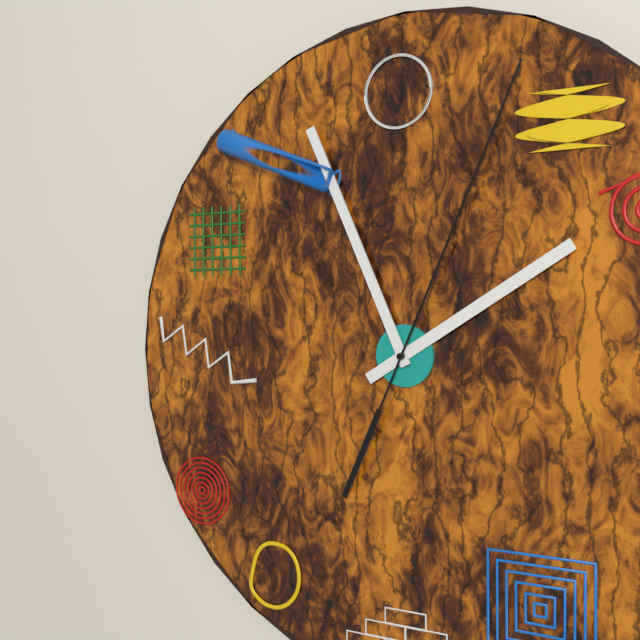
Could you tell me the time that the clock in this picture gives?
1:56:04
